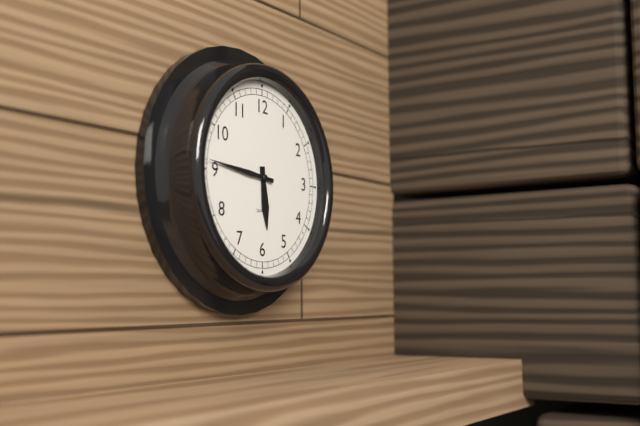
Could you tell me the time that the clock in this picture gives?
5:46
